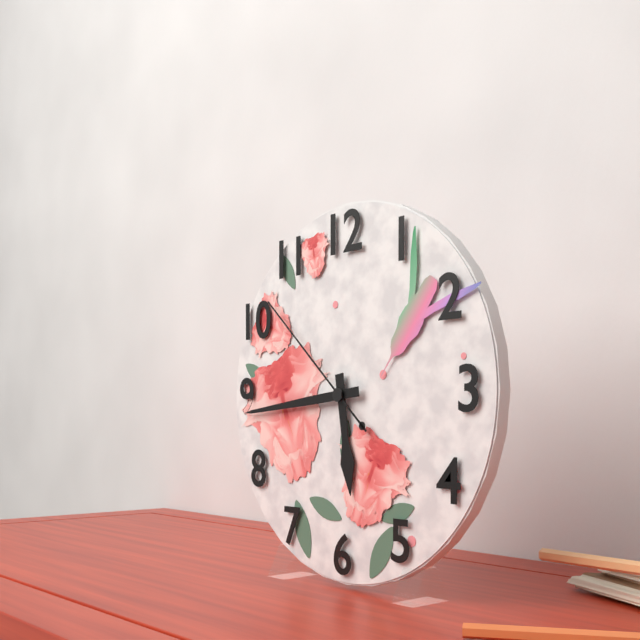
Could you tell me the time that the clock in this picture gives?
5:44:52
